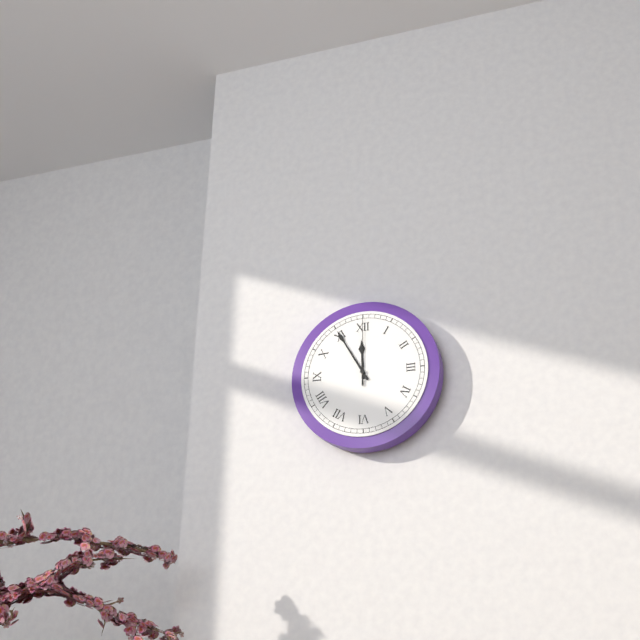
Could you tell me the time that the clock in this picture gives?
11:55:00
